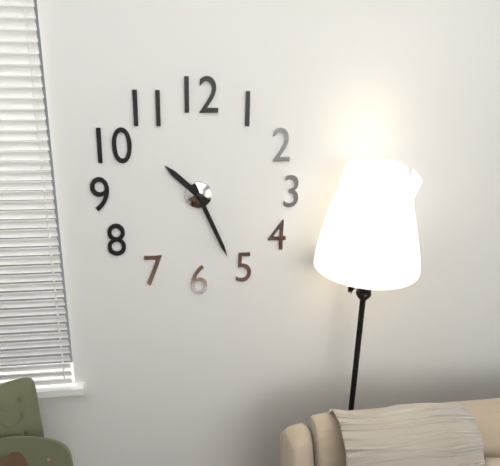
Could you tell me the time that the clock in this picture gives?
10:26
